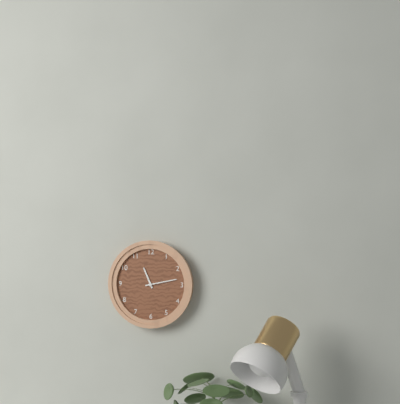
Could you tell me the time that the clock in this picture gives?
11:13
